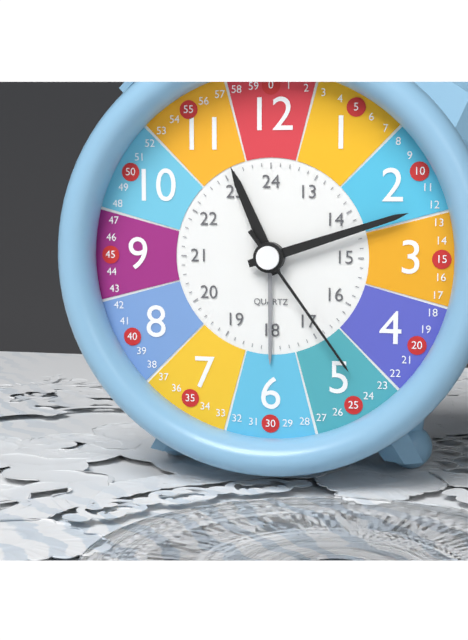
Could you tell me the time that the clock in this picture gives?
11:12:24
